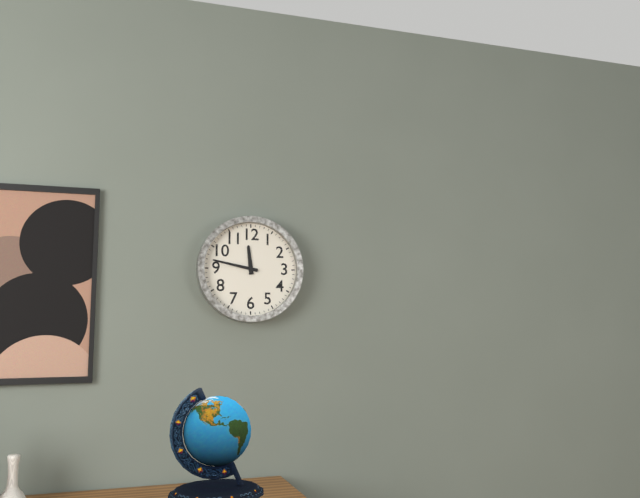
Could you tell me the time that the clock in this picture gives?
11:47
